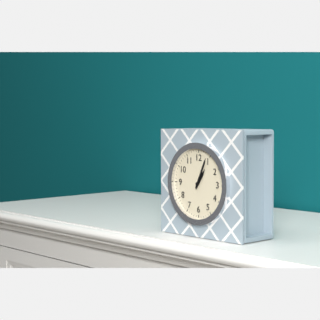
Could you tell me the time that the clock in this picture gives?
1:04
